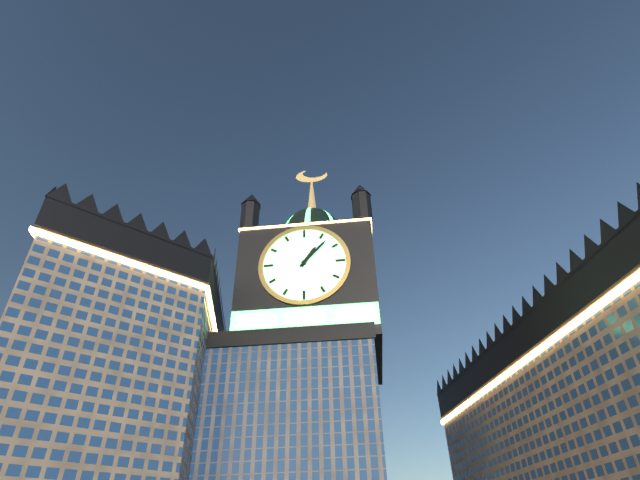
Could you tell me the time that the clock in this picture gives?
1:07
